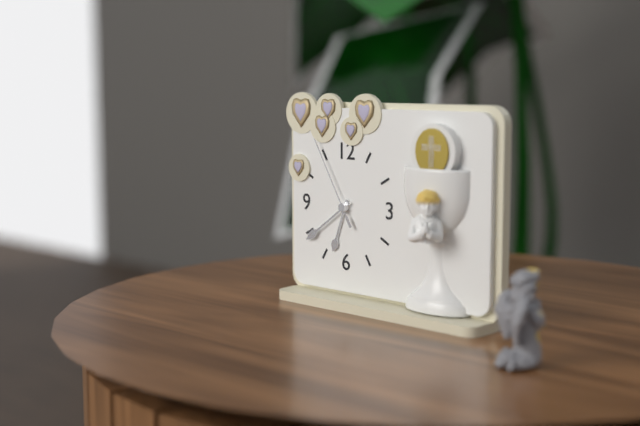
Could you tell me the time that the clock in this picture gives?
6:39:55
